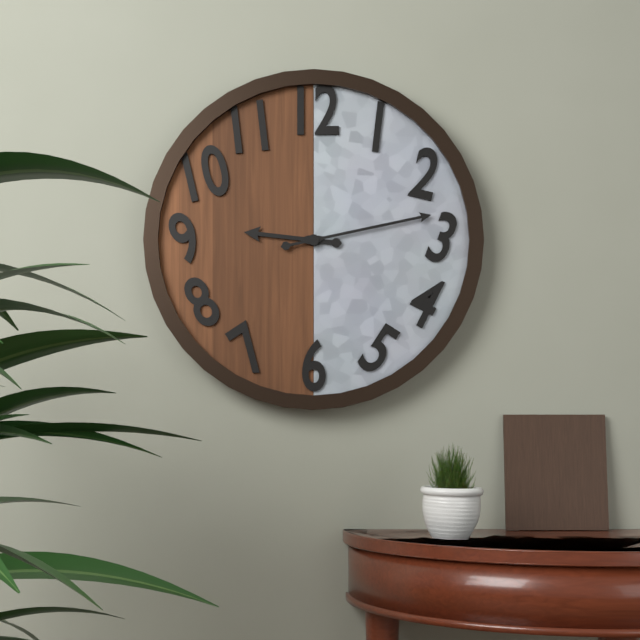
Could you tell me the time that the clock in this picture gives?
9:13
